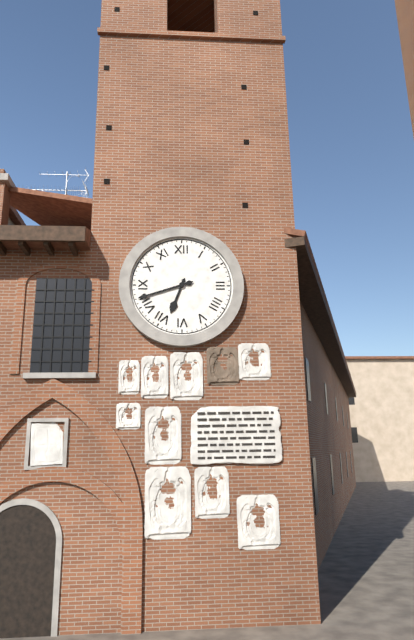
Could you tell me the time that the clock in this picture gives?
6:42
